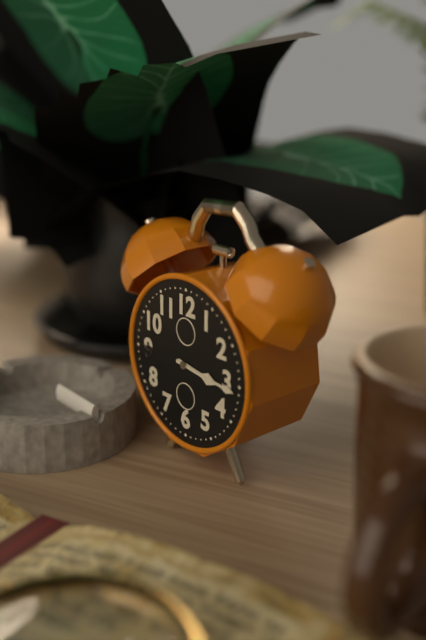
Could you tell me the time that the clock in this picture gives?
3:16
